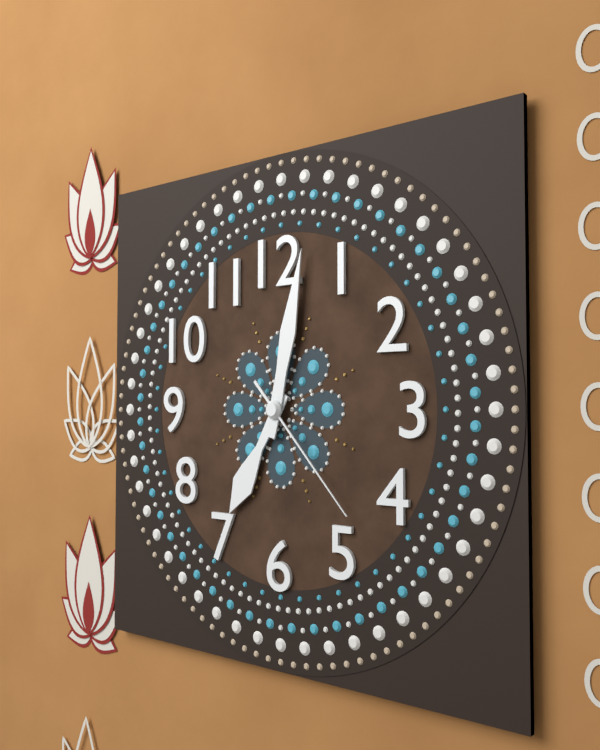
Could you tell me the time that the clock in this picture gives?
7:02:23
